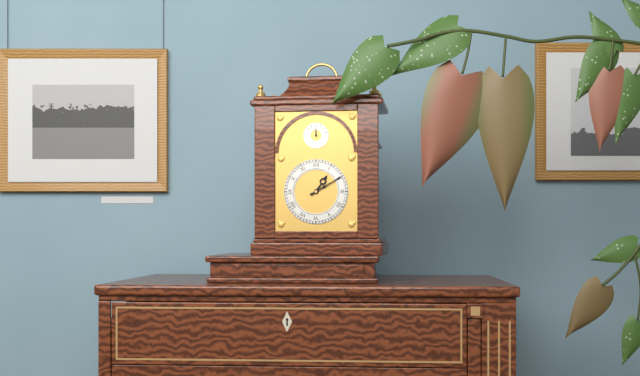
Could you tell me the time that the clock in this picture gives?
1:10
